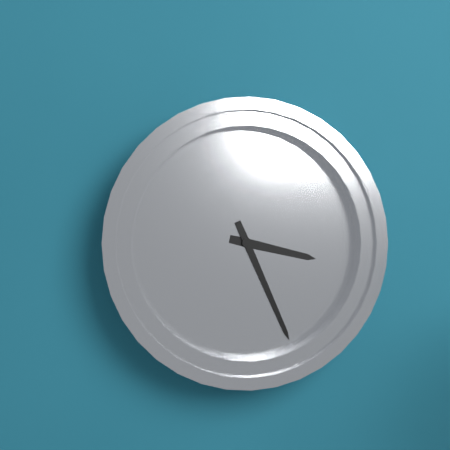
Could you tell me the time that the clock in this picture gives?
3:26
